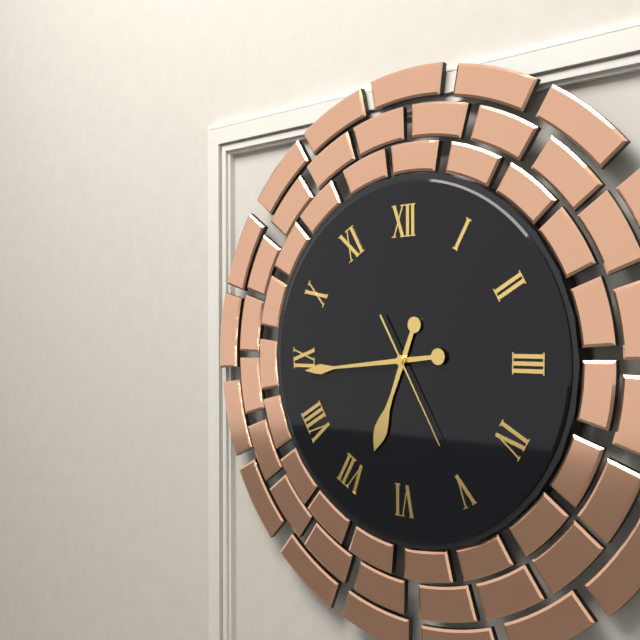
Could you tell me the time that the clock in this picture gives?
6:44:25
